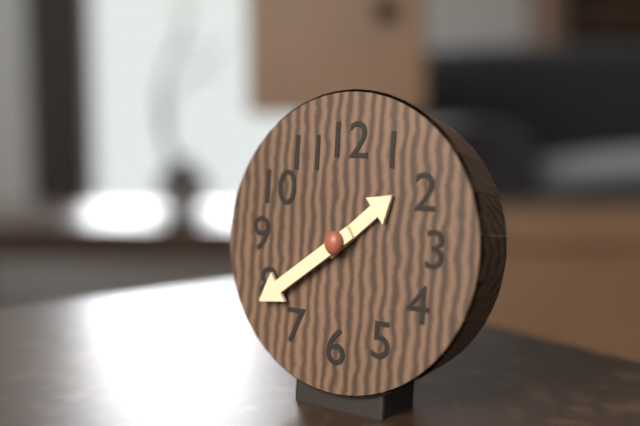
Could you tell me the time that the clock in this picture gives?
1:39
